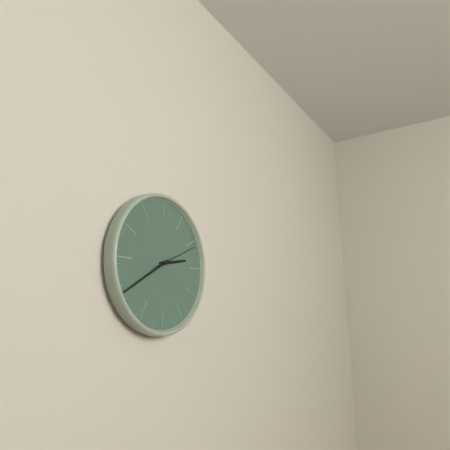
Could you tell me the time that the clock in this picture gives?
2:40
